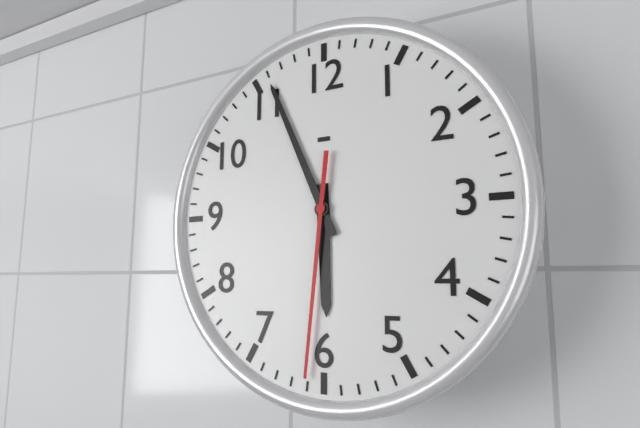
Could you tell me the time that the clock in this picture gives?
5:56:31
